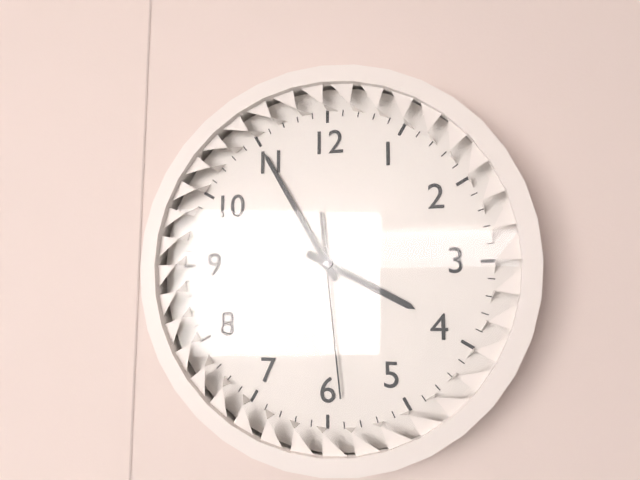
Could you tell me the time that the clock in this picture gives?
3:55:29
